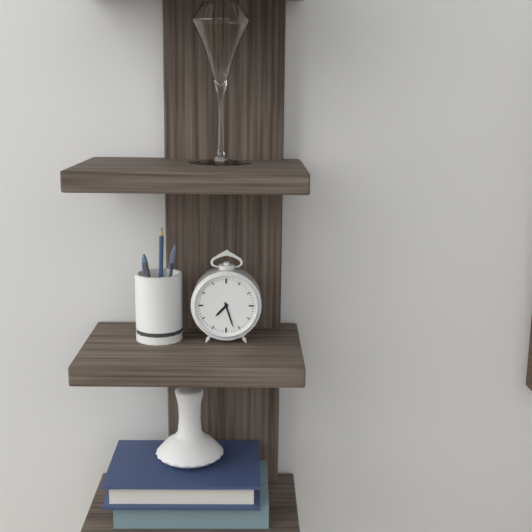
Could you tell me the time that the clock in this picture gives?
7:27
